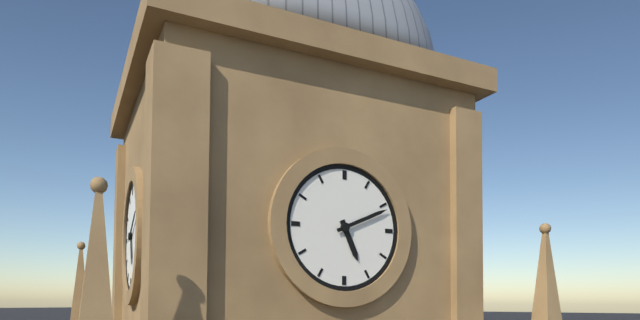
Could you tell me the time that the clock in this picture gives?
5:11
